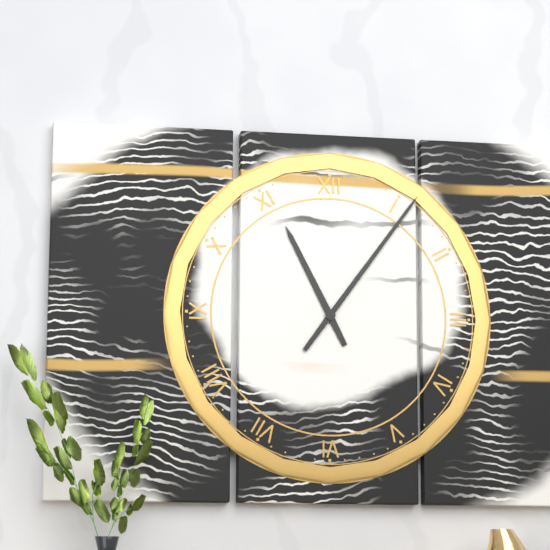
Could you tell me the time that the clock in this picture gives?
11:06
